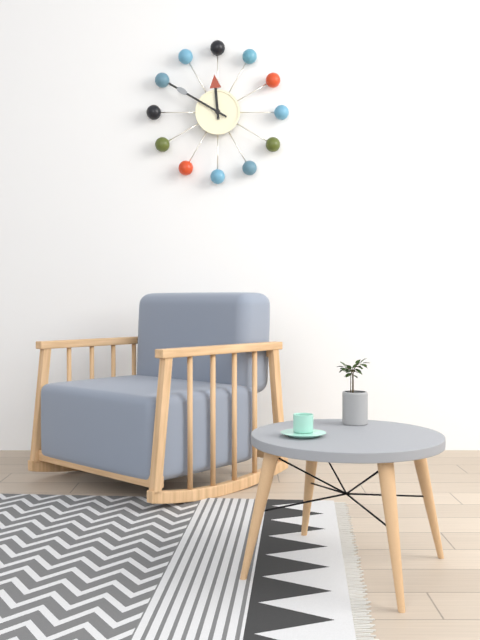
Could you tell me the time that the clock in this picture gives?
11:50
